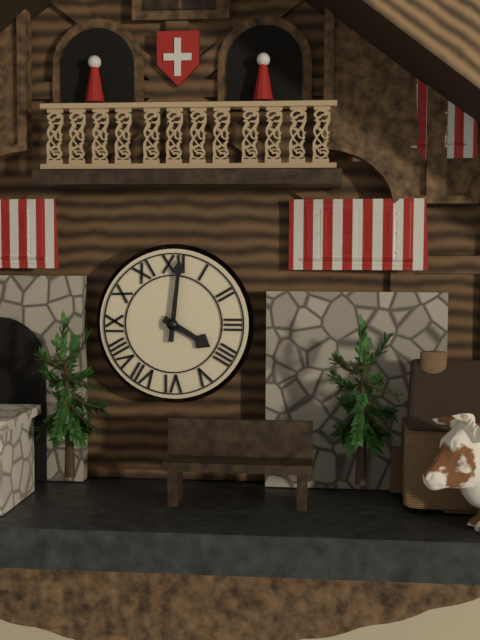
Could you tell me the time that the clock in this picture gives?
4:01
